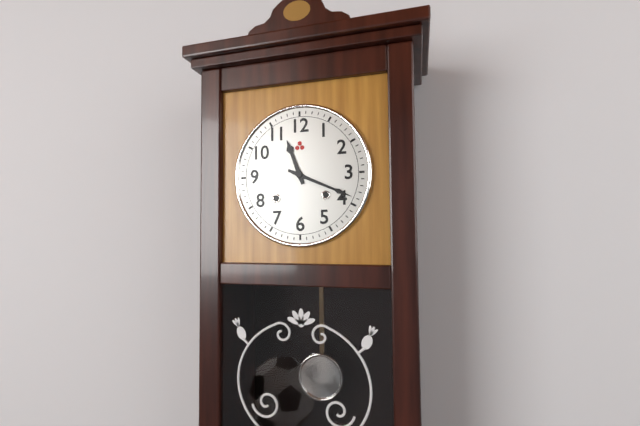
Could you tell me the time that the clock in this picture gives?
11:19
